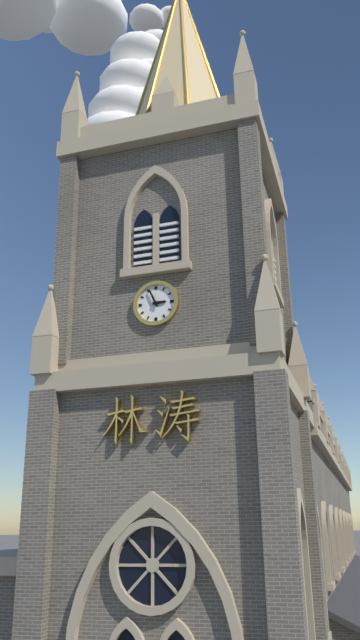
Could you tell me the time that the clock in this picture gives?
2:56
